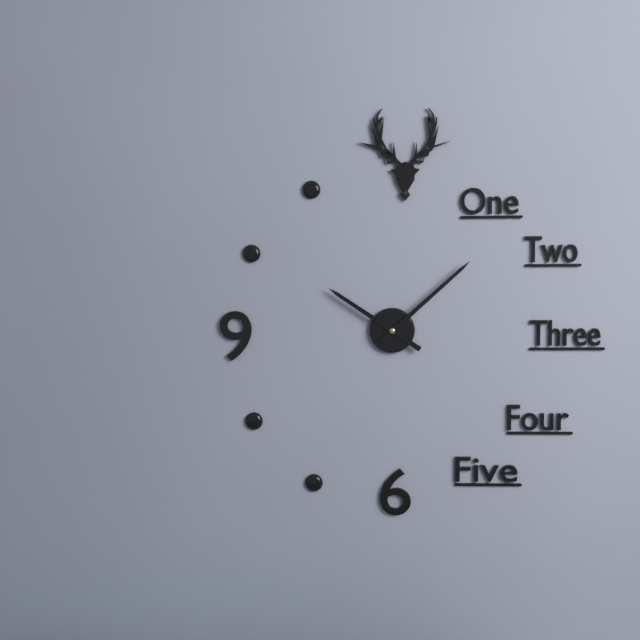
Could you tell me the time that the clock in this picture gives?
10:08
